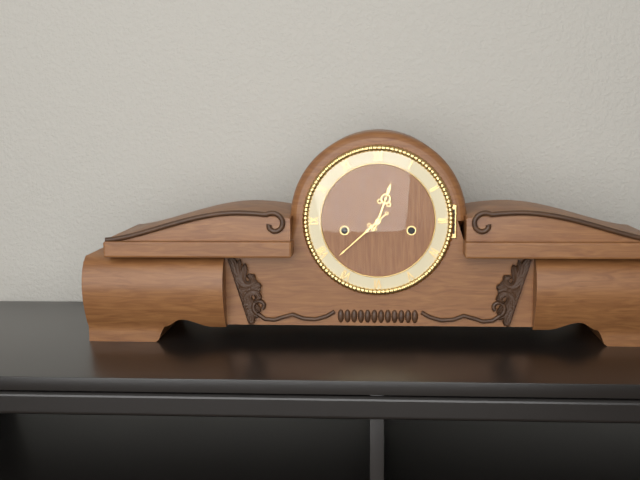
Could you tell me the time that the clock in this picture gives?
12:38
